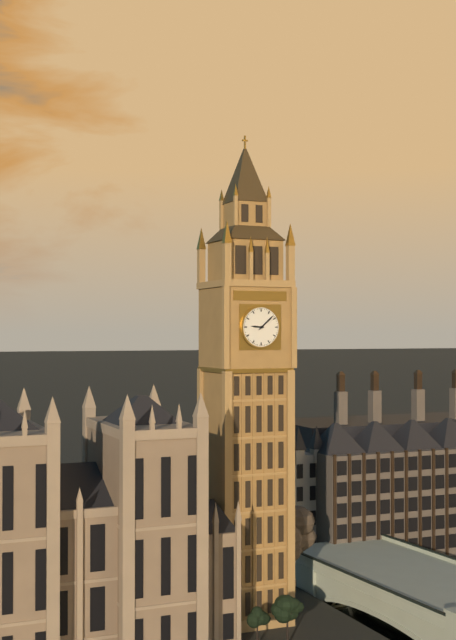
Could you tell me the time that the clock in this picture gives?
9:08
